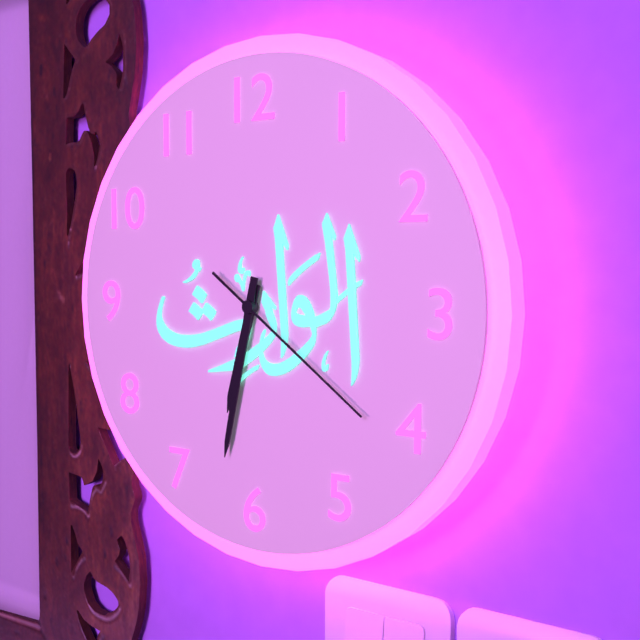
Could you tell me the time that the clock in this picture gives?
6:32:21
